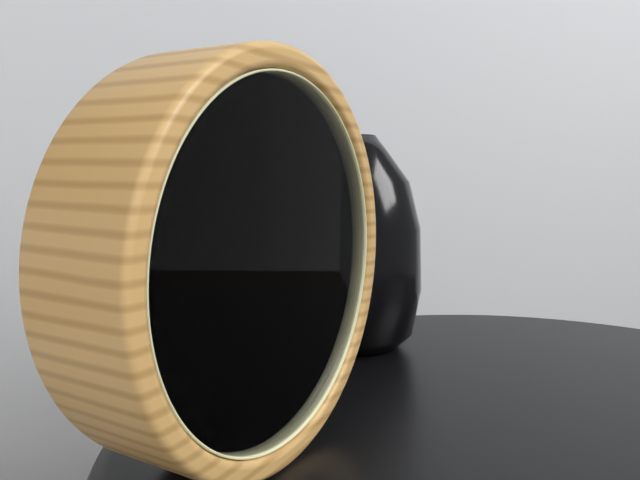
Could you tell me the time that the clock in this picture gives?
11:10:12
